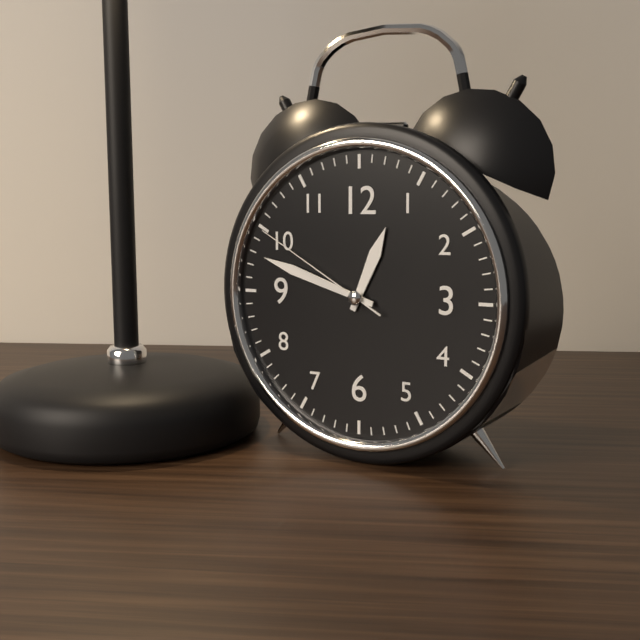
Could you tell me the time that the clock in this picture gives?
12:48:50
